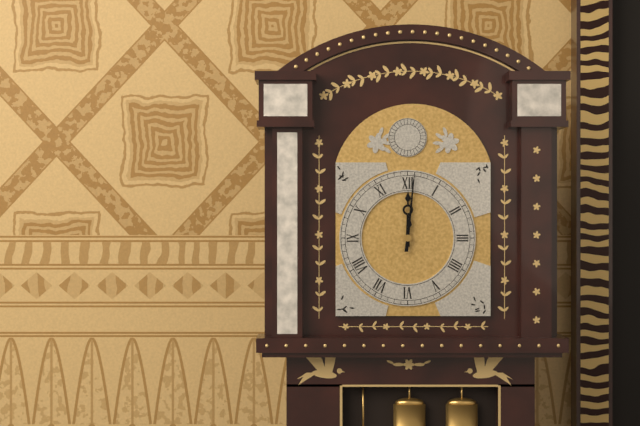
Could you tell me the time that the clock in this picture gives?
12:01
